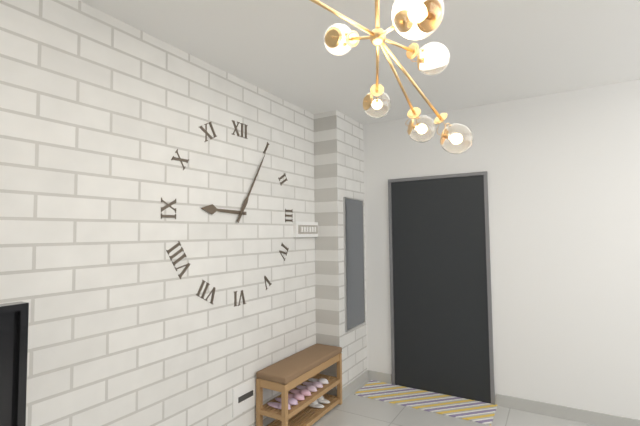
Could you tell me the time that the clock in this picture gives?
9:05
